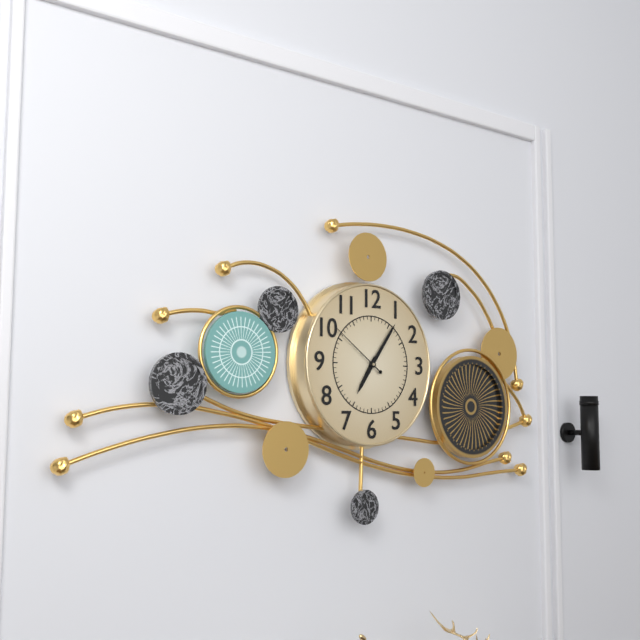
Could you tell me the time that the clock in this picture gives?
7:06:51
